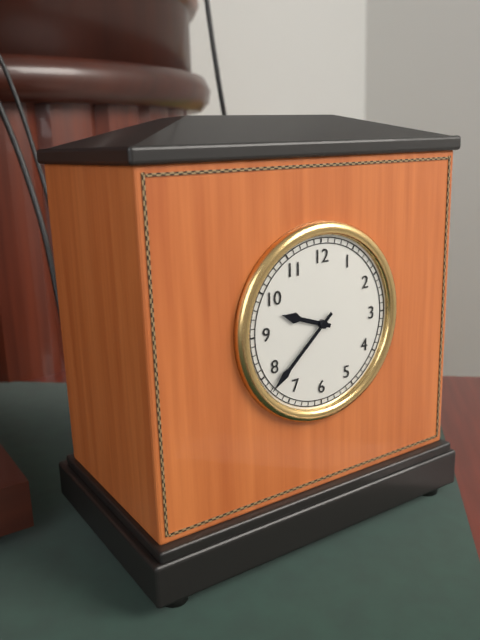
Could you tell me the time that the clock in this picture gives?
9:38
